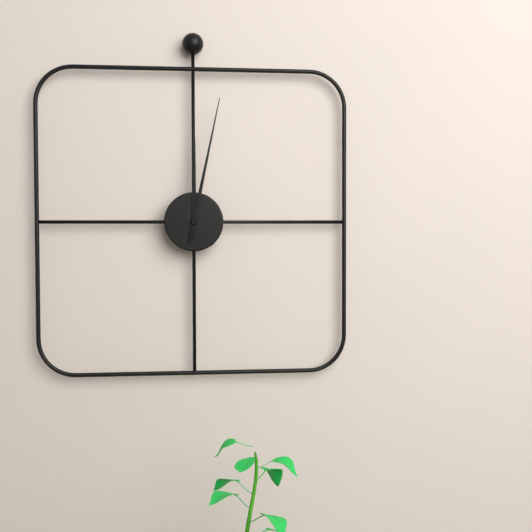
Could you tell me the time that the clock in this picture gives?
12:02
